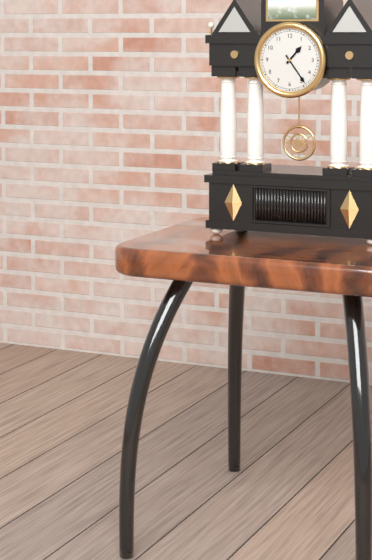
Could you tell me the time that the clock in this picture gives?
1:24
